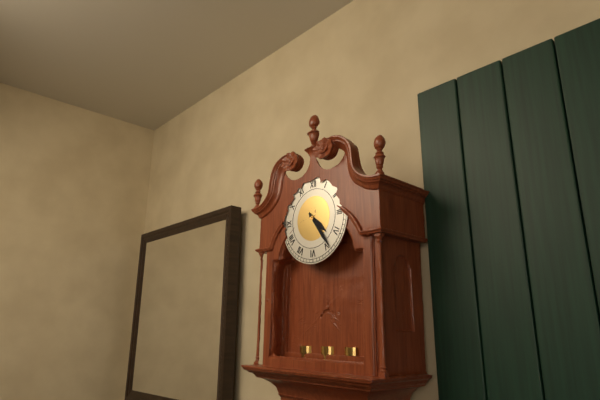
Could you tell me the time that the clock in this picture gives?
4:24
